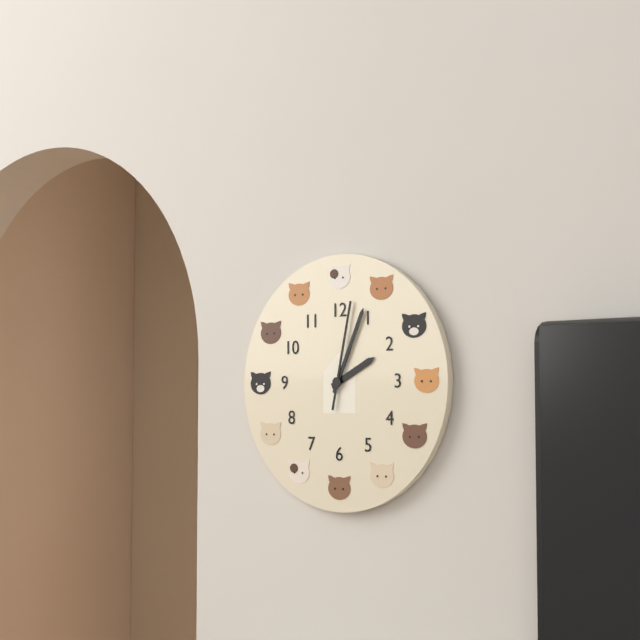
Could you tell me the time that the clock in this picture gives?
2:04:02
